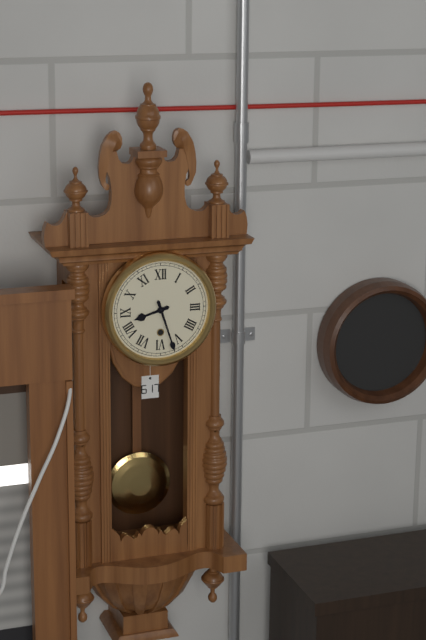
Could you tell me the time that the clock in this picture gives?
8:27
